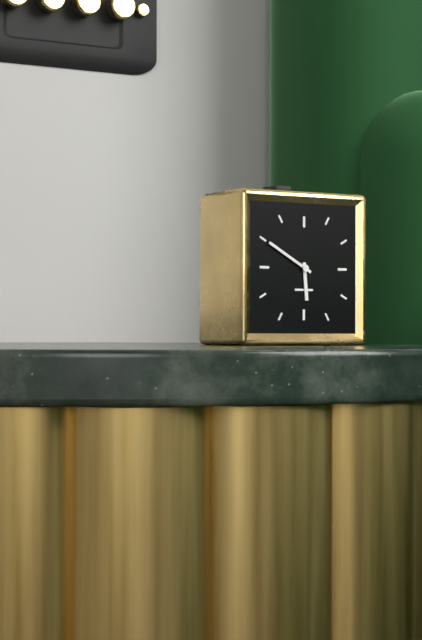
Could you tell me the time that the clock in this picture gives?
5:50
